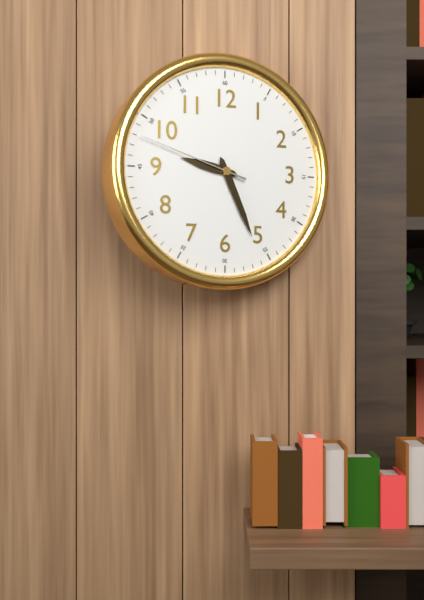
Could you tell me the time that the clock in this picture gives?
9:26:48
